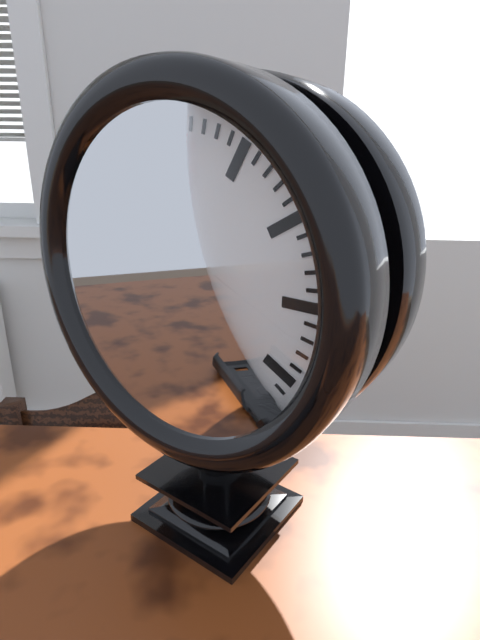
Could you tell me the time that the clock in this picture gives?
8:58:01
